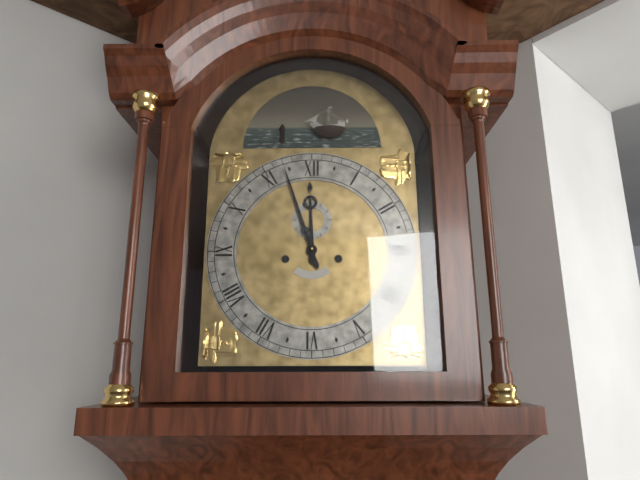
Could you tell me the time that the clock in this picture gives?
11:57
